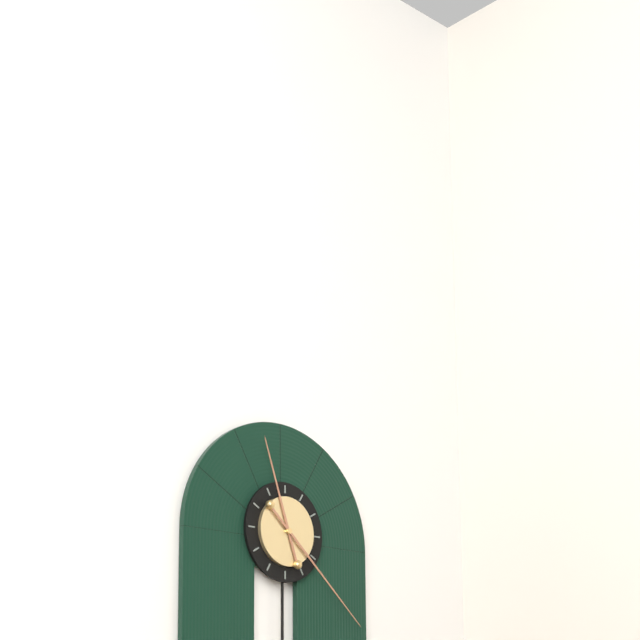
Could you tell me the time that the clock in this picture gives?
11:22
